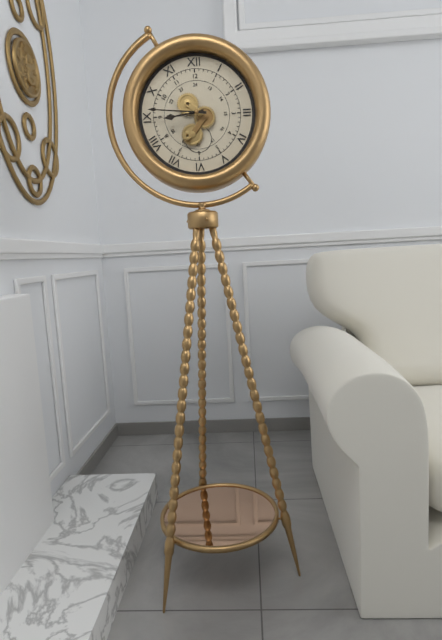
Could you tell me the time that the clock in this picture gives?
8:46
